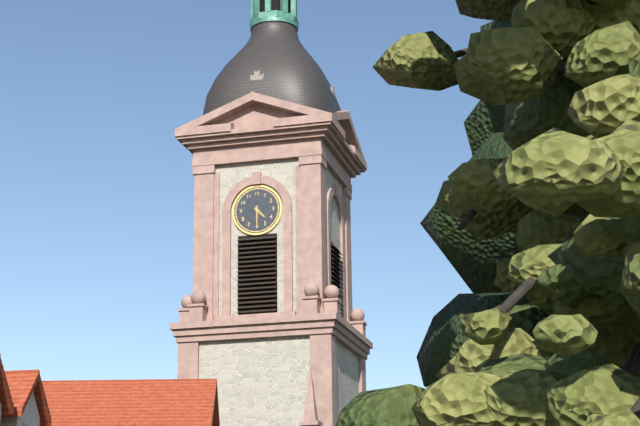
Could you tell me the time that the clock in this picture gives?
4:30
